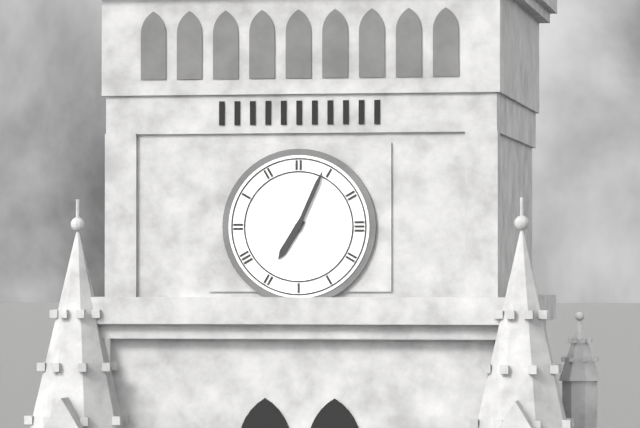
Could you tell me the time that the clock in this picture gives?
7:04
